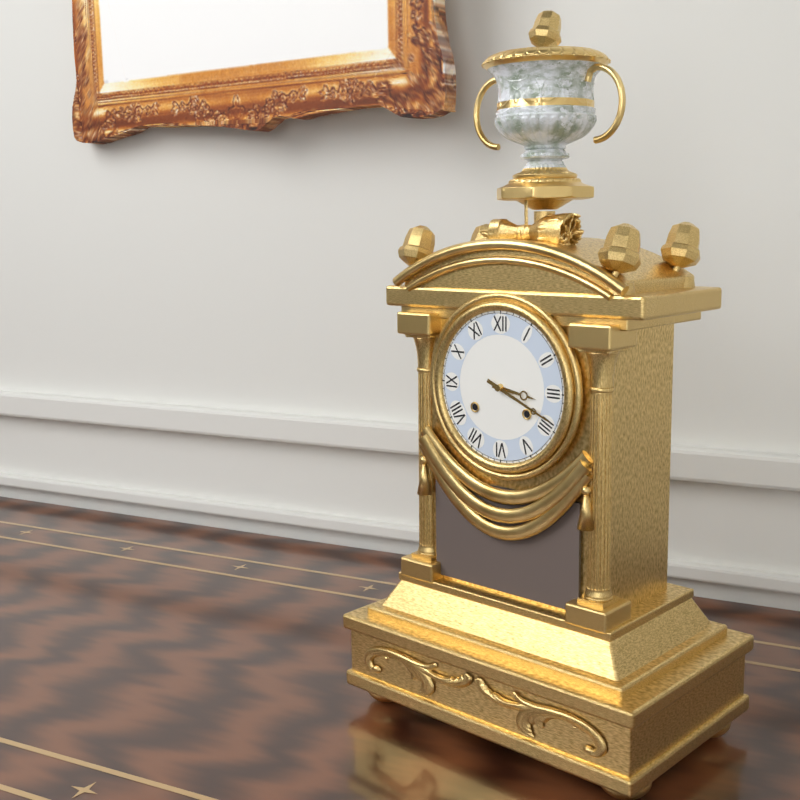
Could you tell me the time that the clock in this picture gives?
3:19
